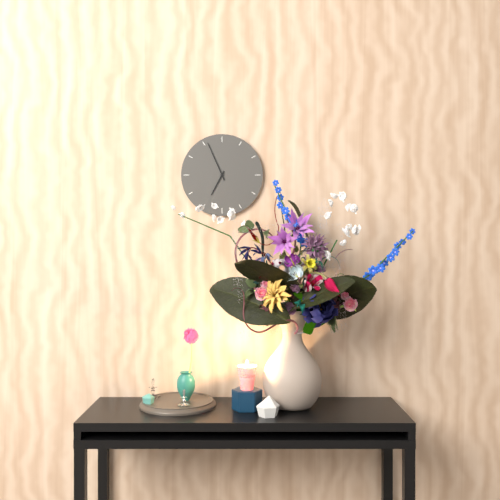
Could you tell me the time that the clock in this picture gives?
6:56
